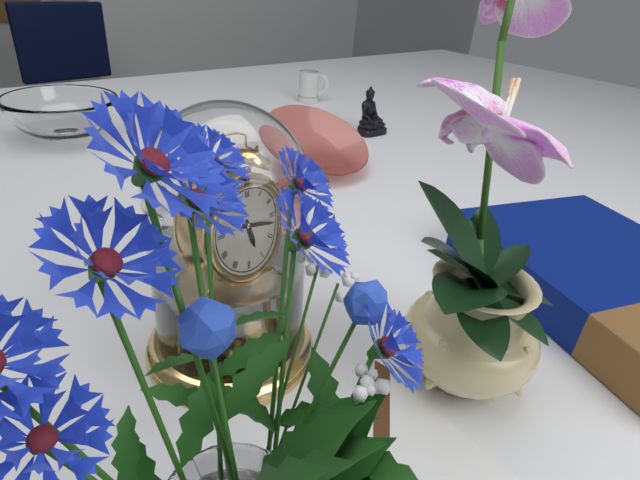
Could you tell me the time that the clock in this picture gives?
5:17
